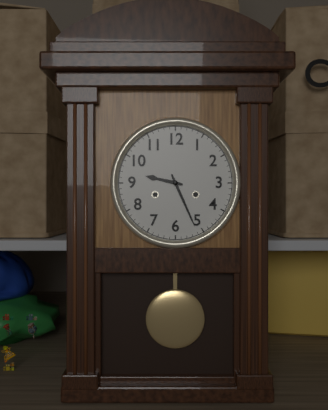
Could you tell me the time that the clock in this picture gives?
9:26
